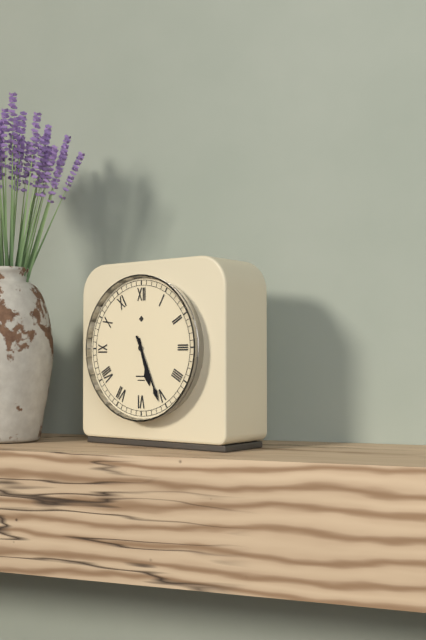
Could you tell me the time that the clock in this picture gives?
5:26
